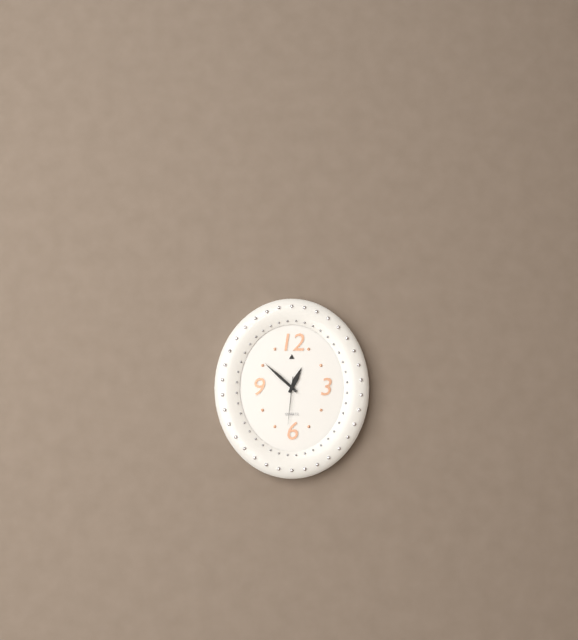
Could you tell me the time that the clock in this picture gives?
12:52:31
